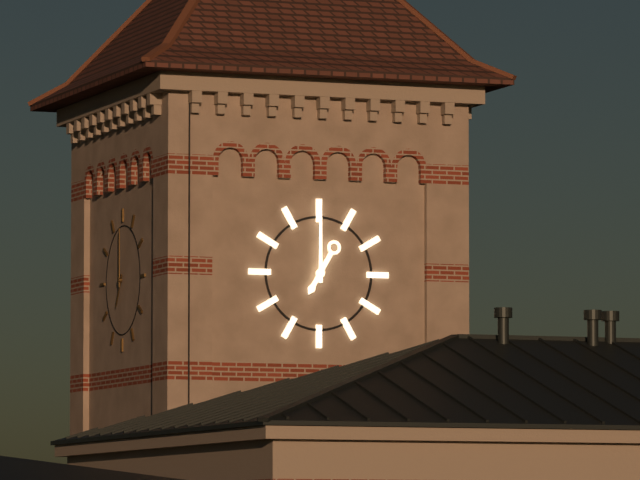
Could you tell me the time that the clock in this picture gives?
7:00
